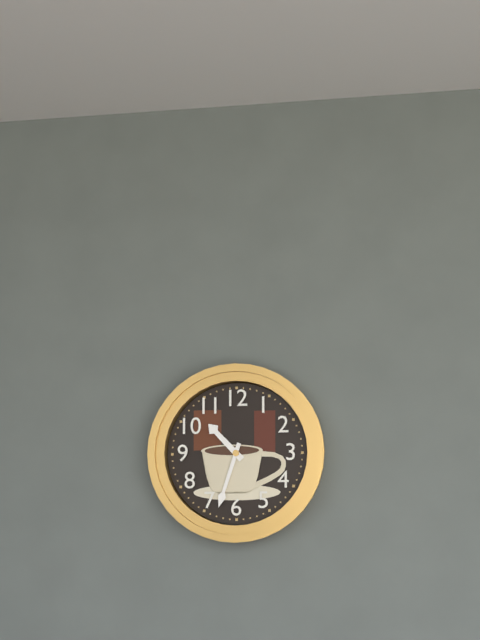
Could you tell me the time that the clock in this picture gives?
10:33
